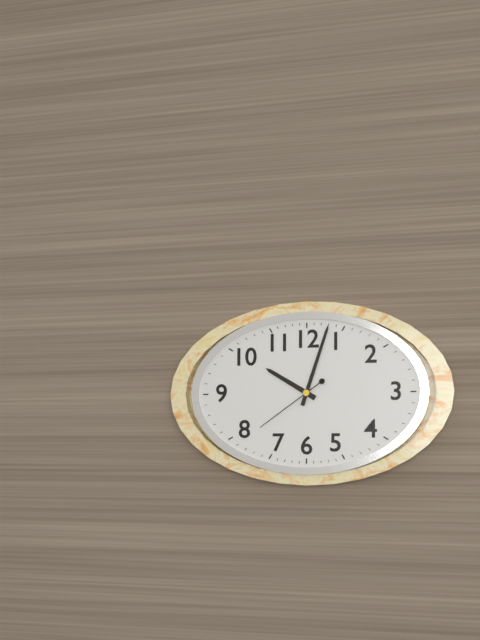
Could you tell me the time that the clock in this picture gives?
10:03:39
